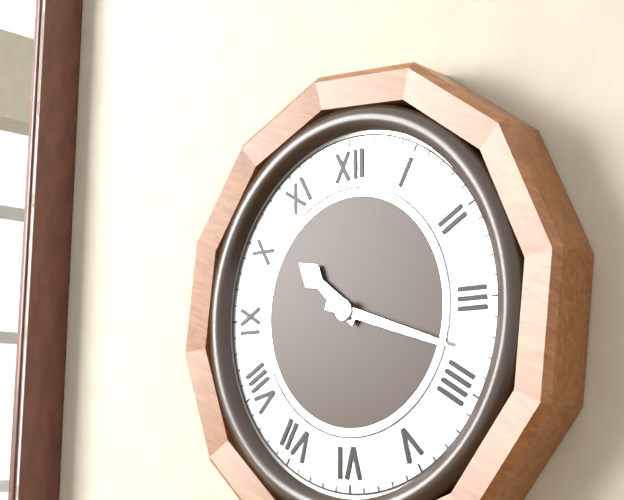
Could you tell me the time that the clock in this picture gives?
10:18
